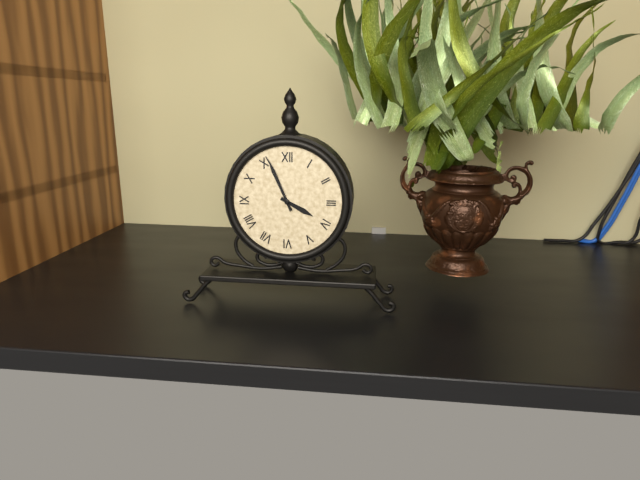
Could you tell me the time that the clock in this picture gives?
3:56
